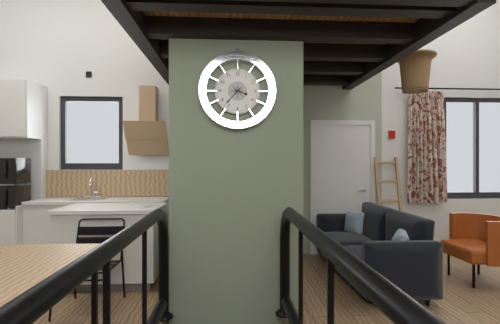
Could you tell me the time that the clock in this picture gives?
3:37
